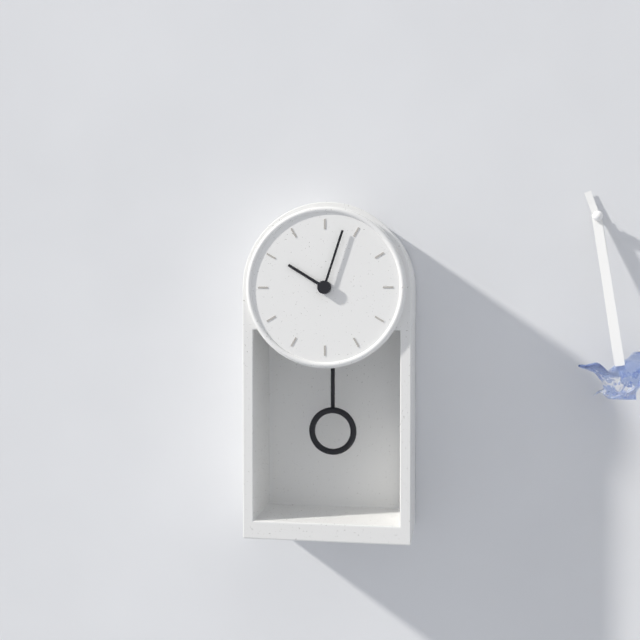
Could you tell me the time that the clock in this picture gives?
10:03
